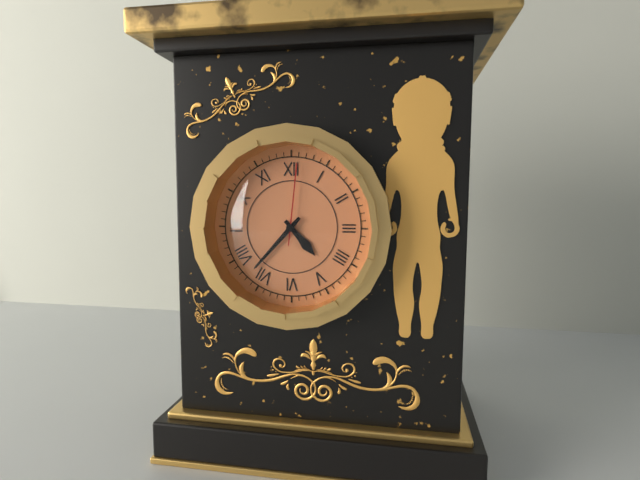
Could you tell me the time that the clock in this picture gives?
4:37:01
